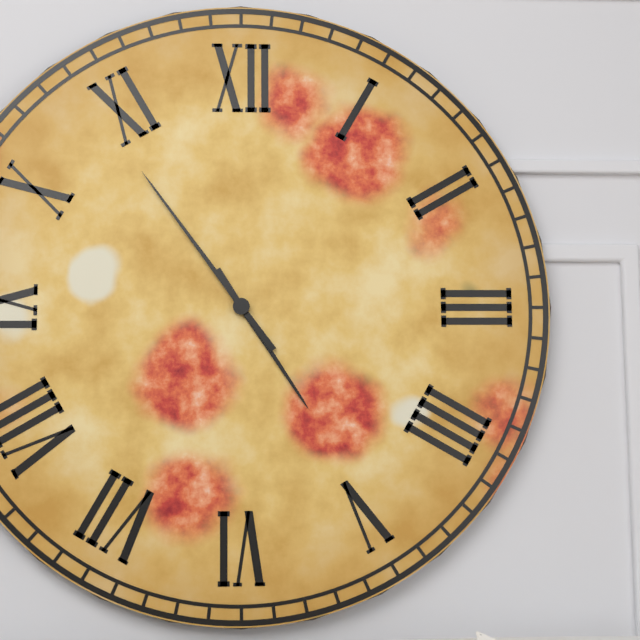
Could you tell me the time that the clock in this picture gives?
4:54
